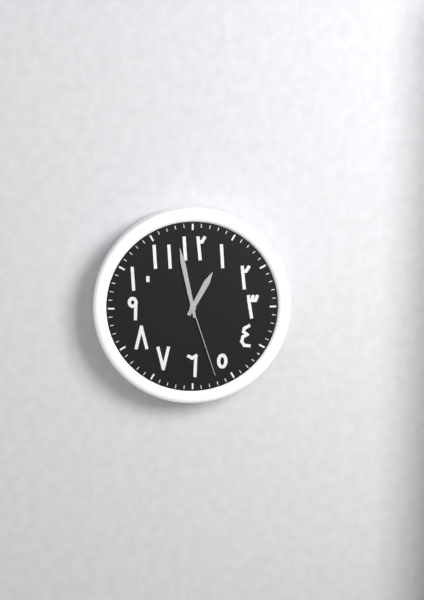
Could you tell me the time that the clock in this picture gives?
12:58:27
